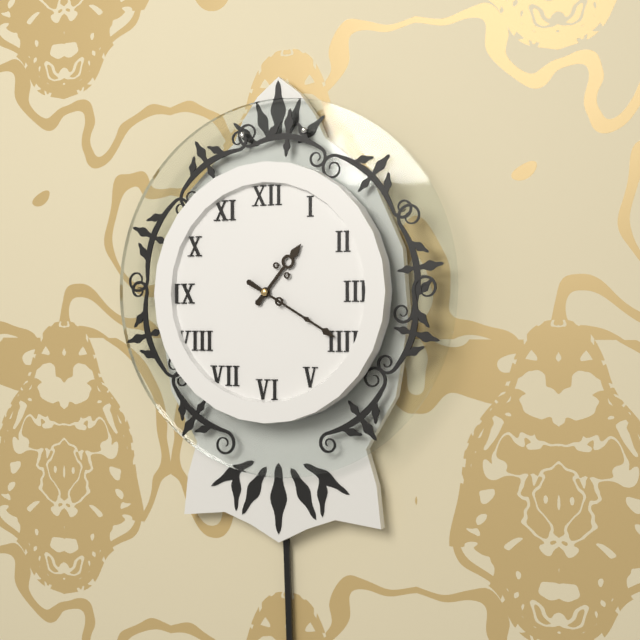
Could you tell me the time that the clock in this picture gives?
1:20
